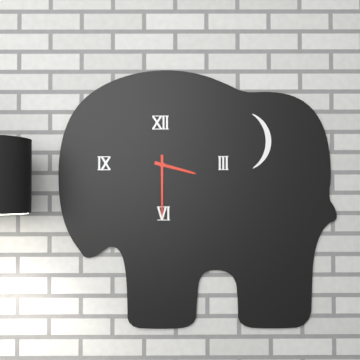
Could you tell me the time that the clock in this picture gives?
3:30
